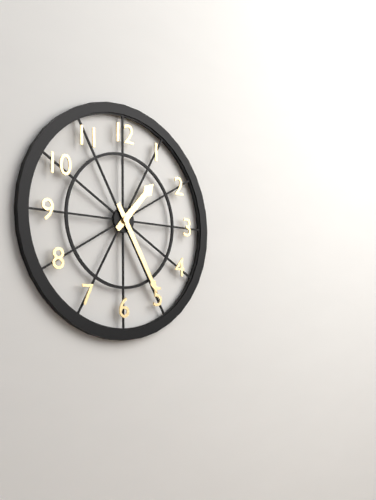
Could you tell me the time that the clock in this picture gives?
1:25
